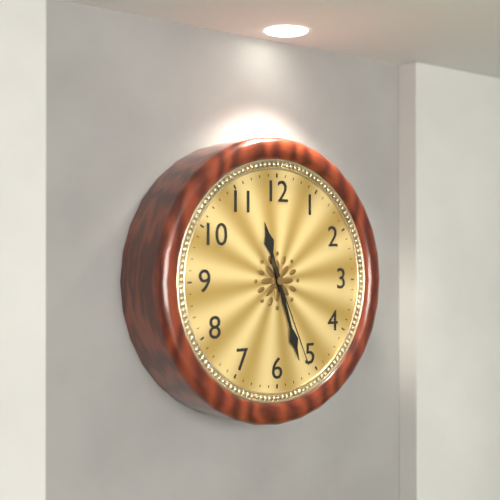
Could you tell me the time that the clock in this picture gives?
11:27:26
